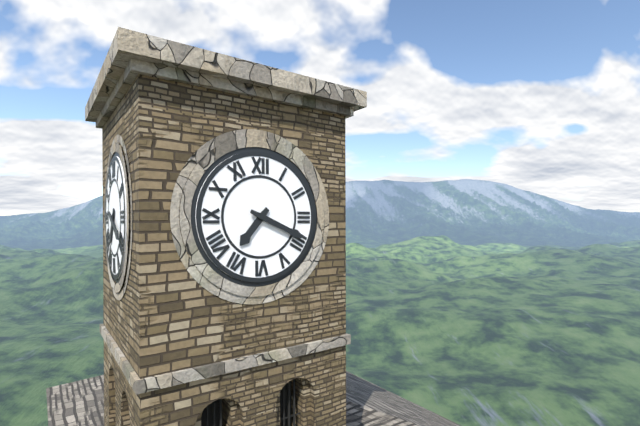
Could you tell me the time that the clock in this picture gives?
7:19
